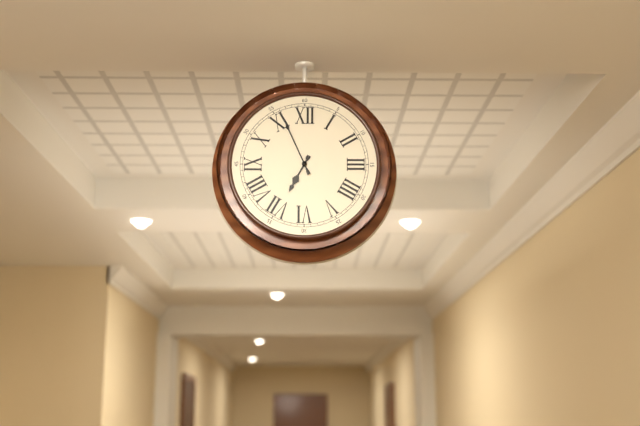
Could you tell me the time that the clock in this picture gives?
6:56
